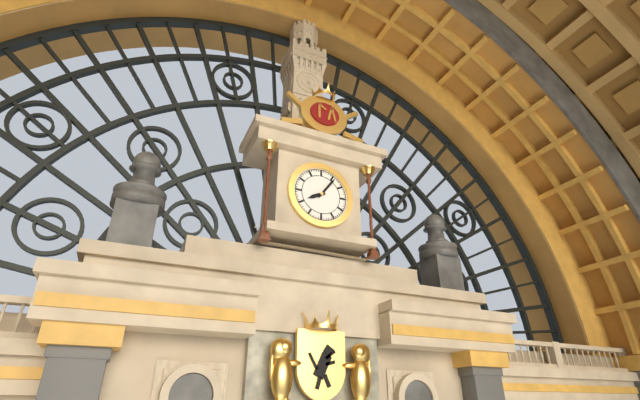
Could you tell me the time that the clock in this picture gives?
8:06
